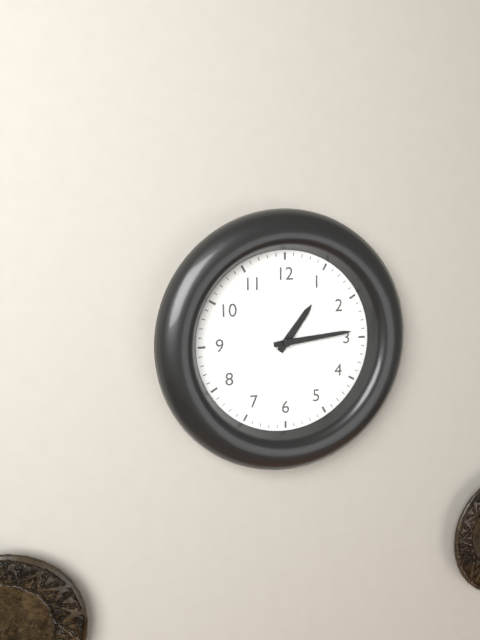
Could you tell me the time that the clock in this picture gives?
1:14
